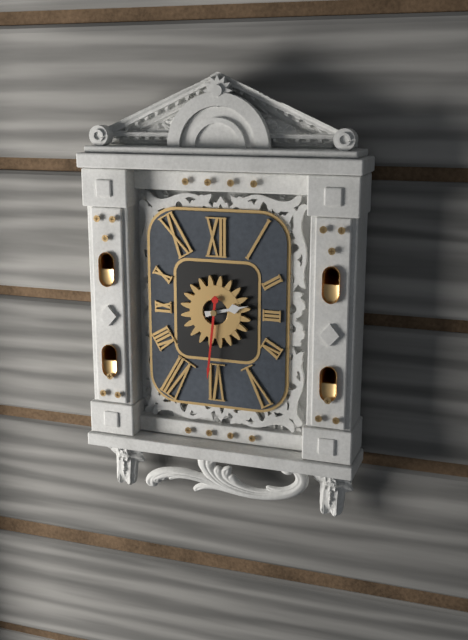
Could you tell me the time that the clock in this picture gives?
2:31
